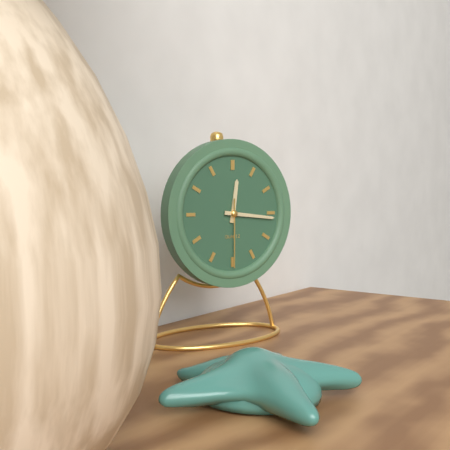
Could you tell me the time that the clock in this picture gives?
12:16:30
